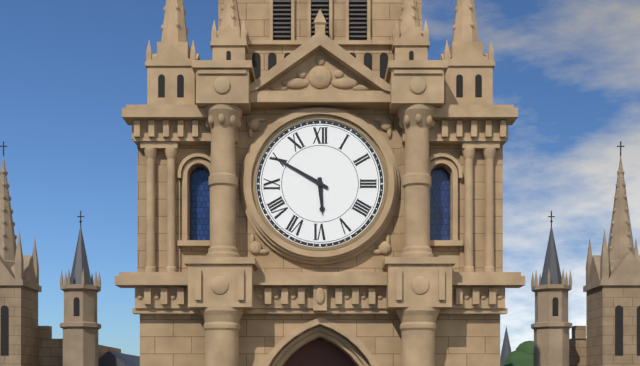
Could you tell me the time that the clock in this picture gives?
5:50
